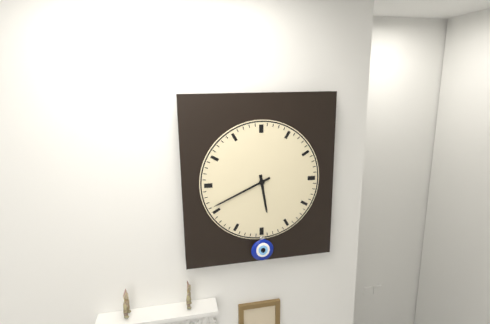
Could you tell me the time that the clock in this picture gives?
5:41
